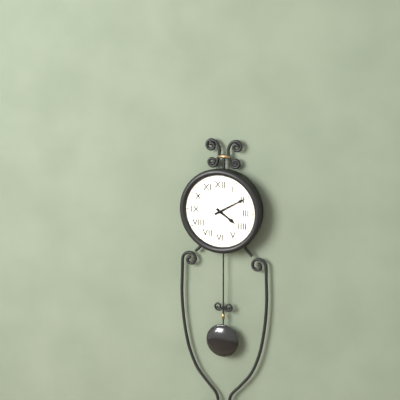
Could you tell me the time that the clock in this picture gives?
4:10
